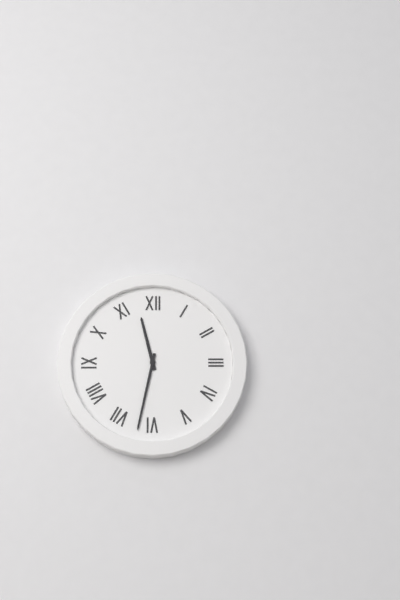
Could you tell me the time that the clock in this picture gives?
11:32
